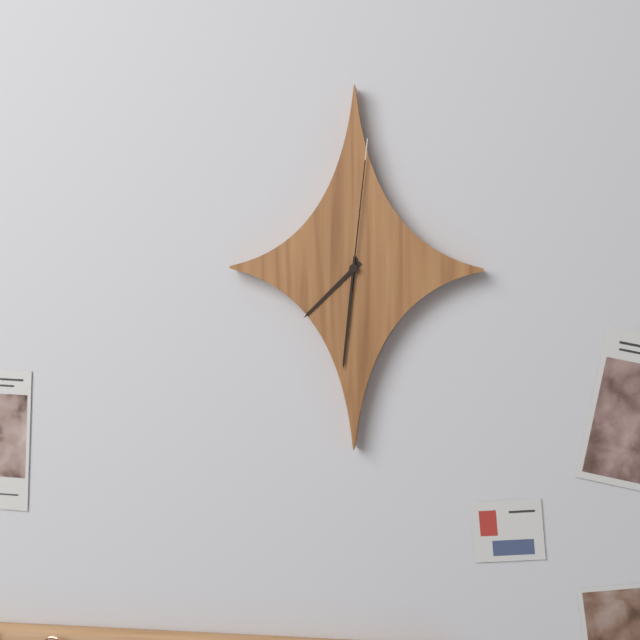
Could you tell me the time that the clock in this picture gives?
7:31:01
